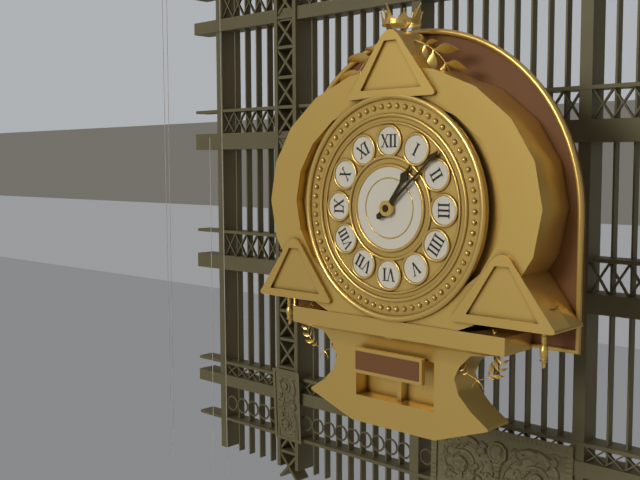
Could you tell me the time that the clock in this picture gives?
1:08
